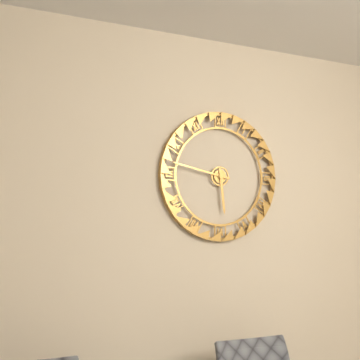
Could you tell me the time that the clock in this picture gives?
5:47
